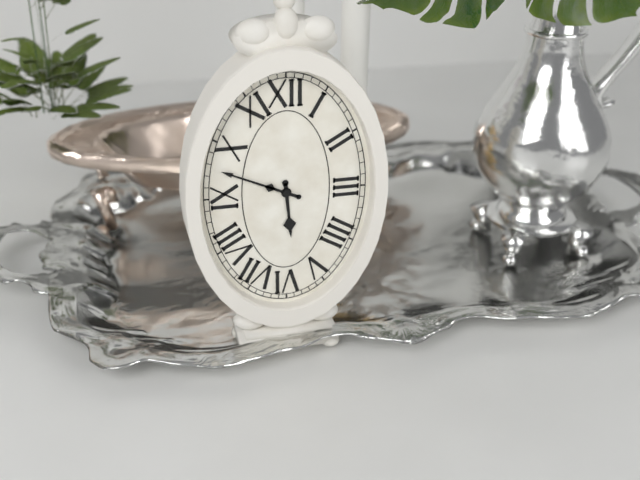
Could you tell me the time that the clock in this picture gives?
5:49
